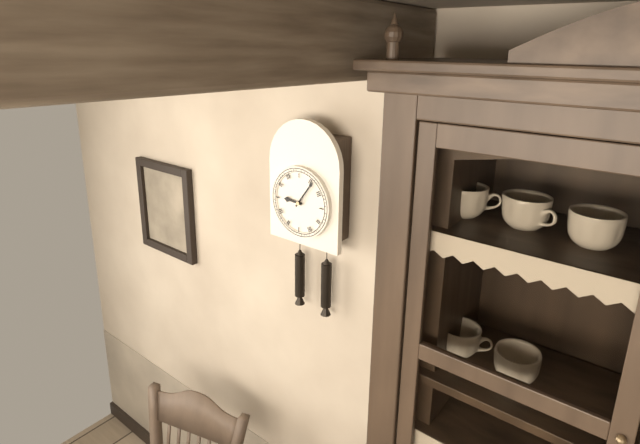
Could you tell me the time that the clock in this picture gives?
9:06
